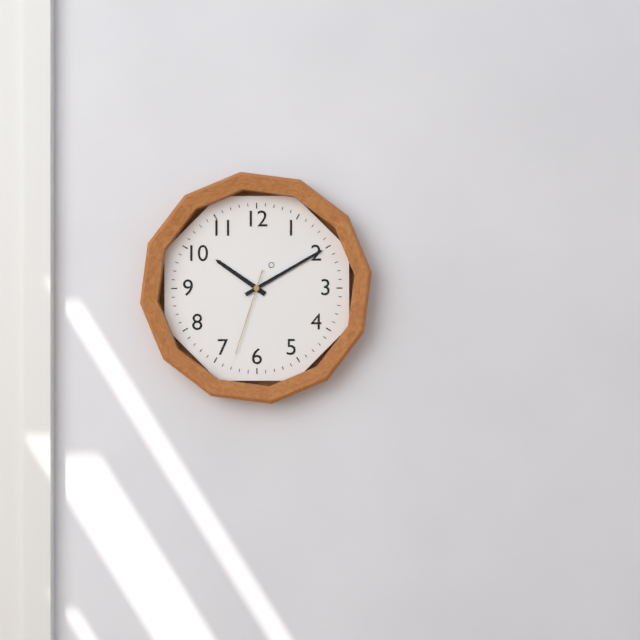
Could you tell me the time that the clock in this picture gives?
10:10:33
